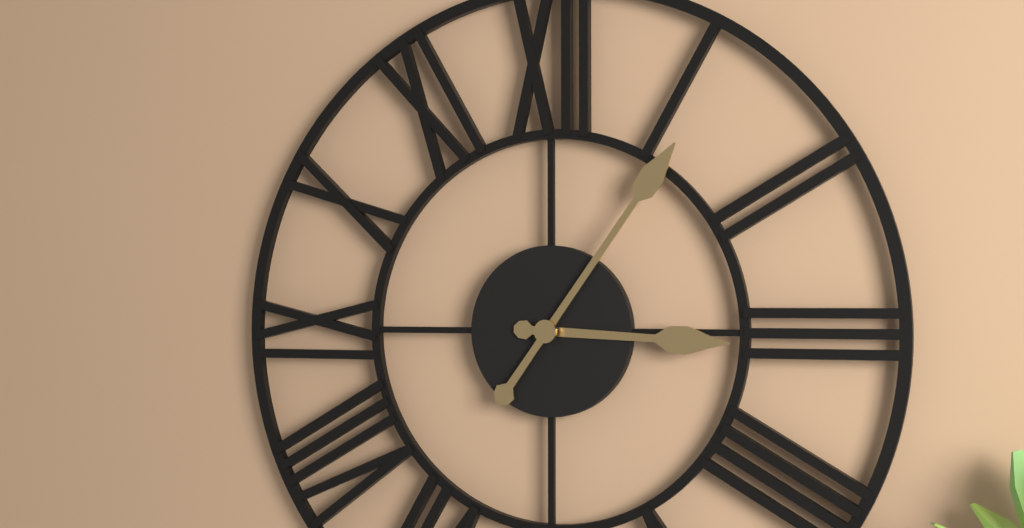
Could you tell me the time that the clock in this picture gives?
3:06
